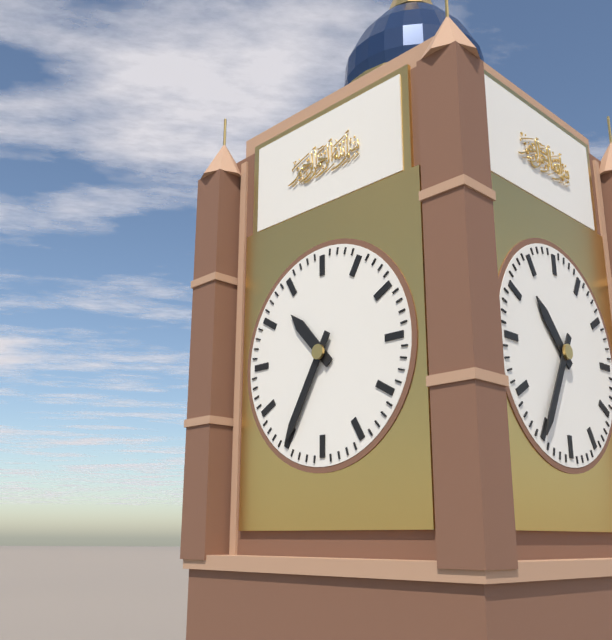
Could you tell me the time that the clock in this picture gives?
10:35
